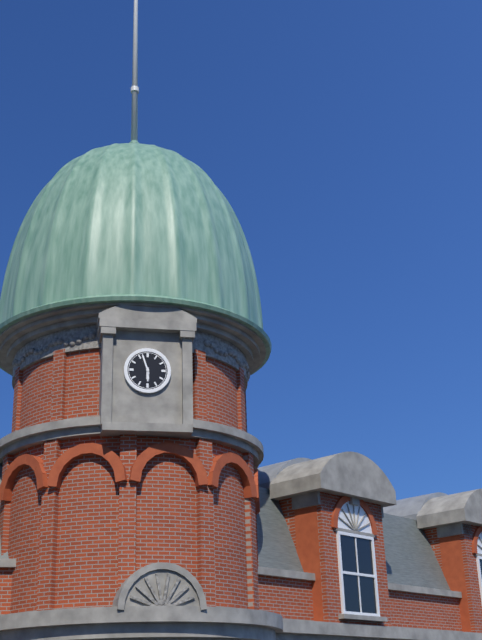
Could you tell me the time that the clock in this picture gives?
5:57
